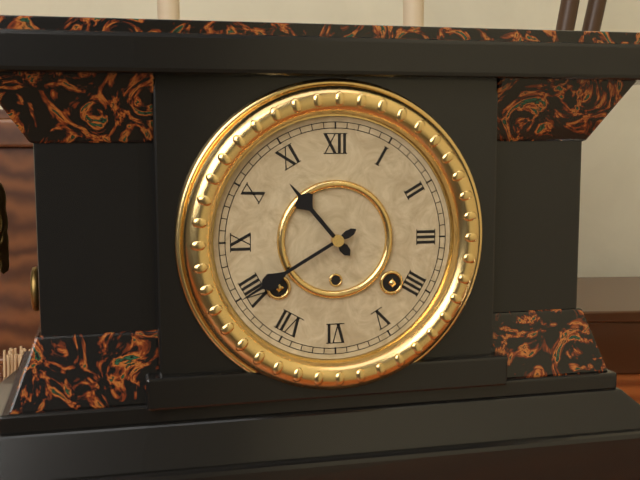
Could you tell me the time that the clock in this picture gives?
10:40
